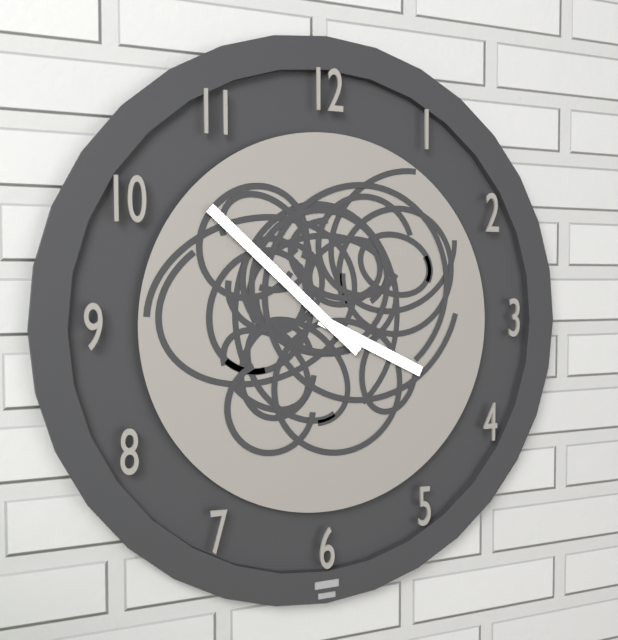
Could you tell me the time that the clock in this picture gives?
3:52
